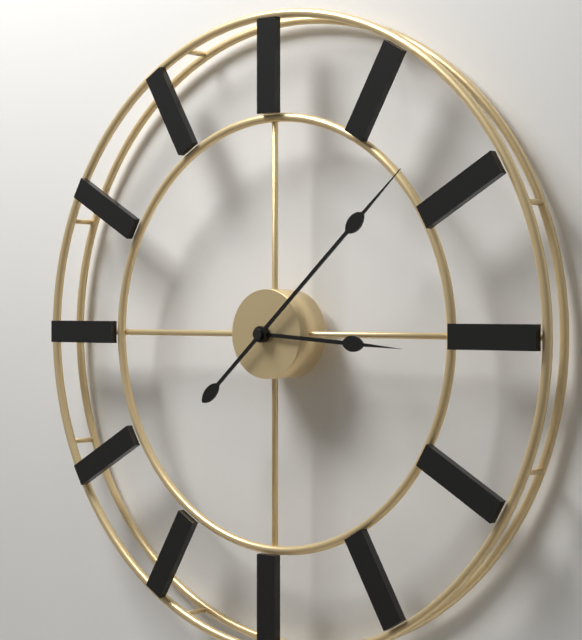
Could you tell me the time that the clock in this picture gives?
3:08
